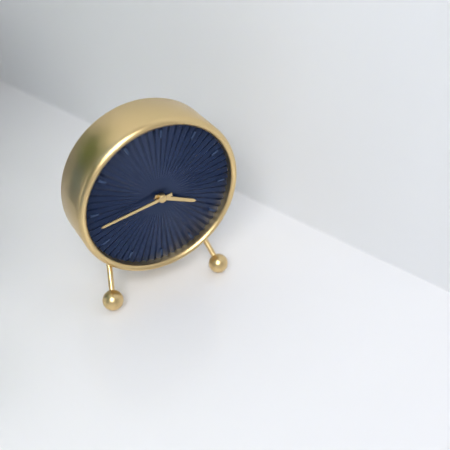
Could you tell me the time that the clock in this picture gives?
3:43
